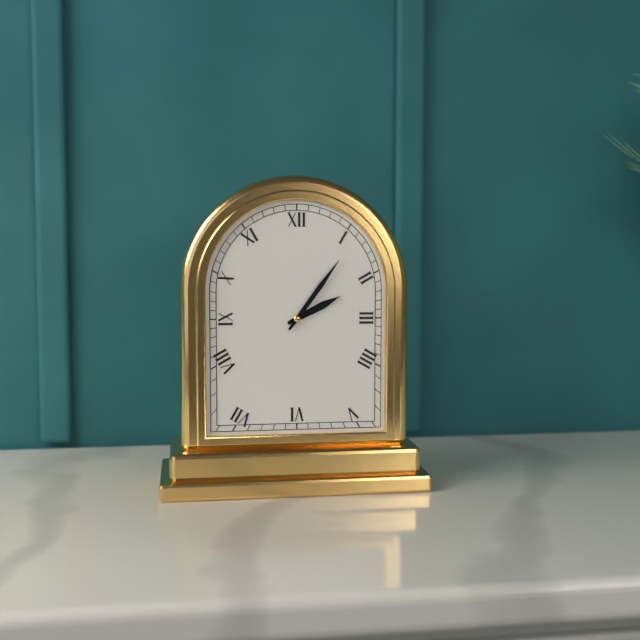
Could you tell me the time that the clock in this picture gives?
2:06
